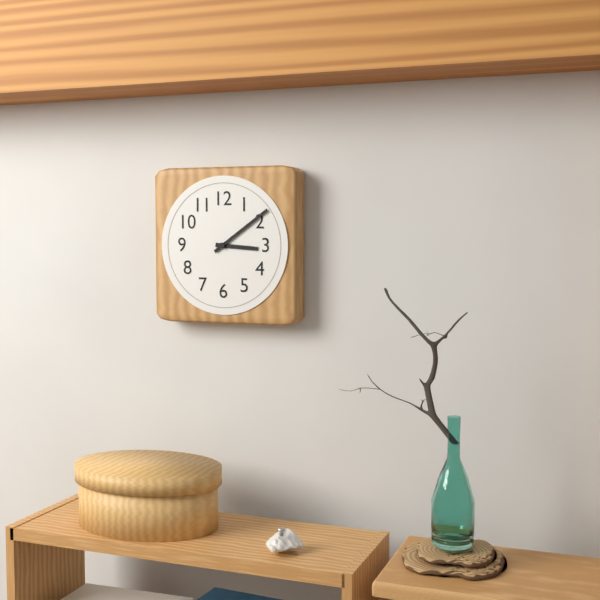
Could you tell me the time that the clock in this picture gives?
3:09
